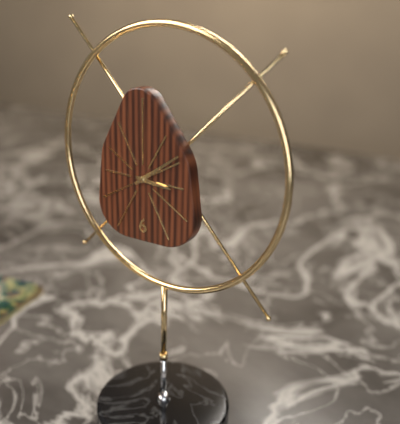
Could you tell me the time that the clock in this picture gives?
3:09
